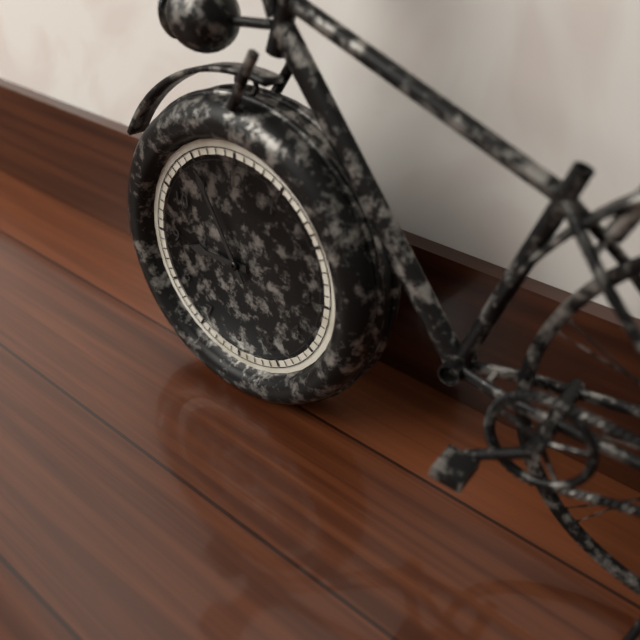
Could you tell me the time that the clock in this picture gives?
8:55
